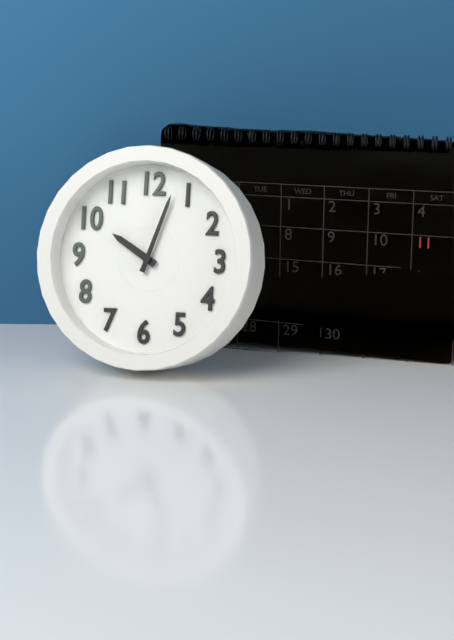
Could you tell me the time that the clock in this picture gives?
10:03
